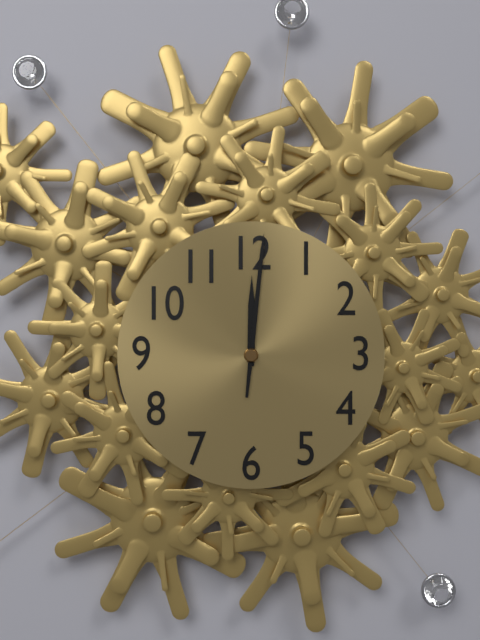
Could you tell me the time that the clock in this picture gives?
12:01
